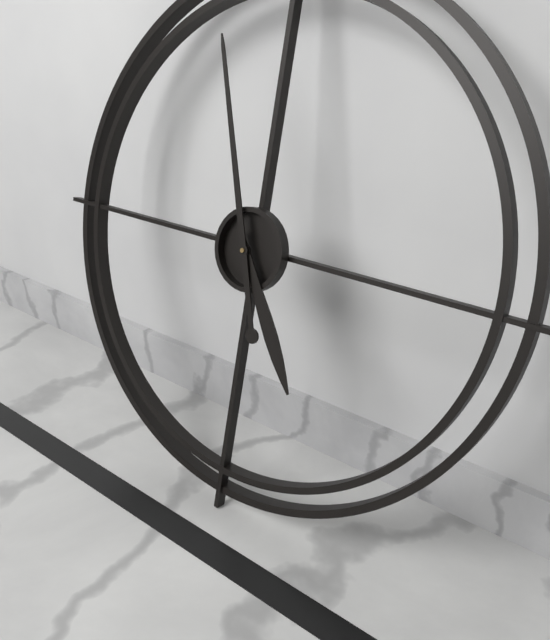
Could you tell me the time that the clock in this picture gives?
4:57
